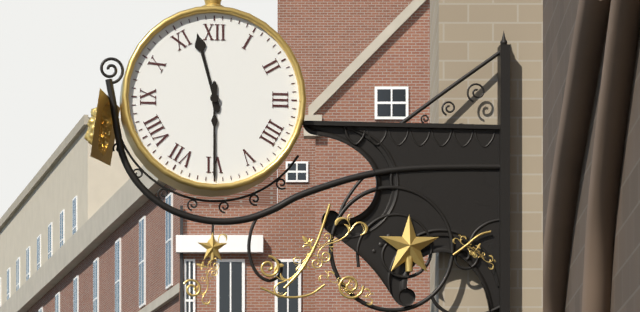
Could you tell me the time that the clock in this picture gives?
11:30
